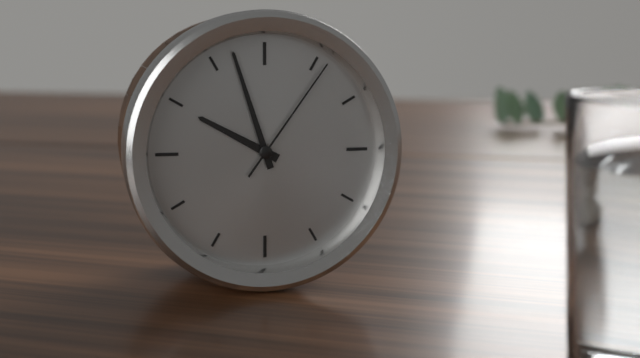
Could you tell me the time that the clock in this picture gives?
9:57:06
